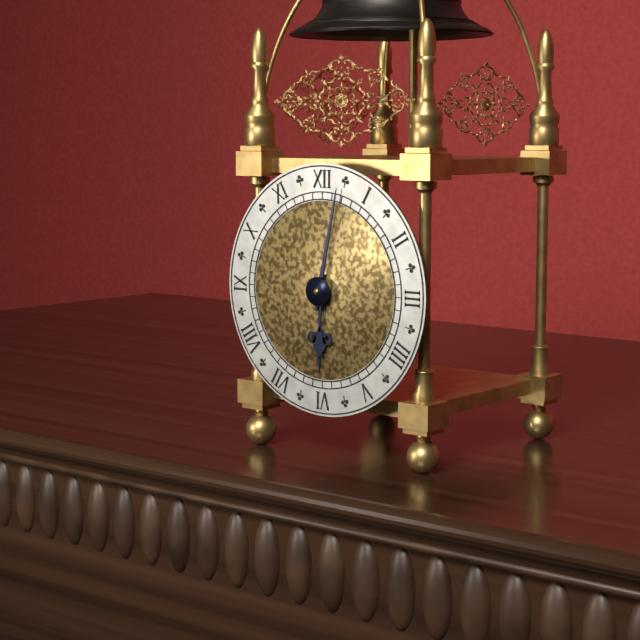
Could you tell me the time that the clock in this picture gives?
6:02
